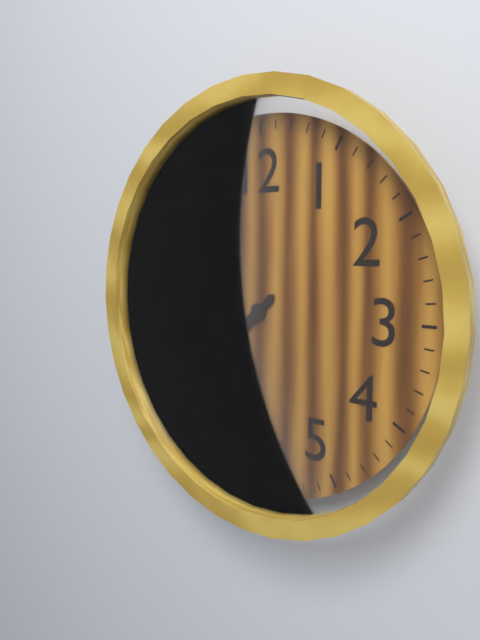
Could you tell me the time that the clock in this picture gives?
7:38
